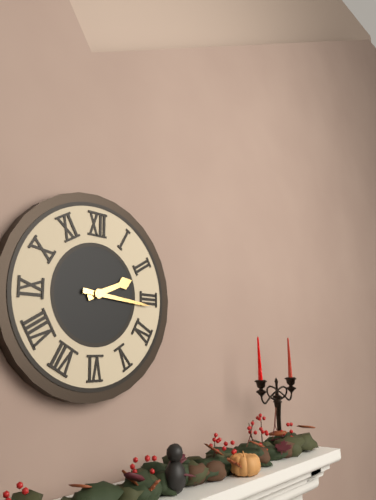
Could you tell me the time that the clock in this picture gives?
2:16
